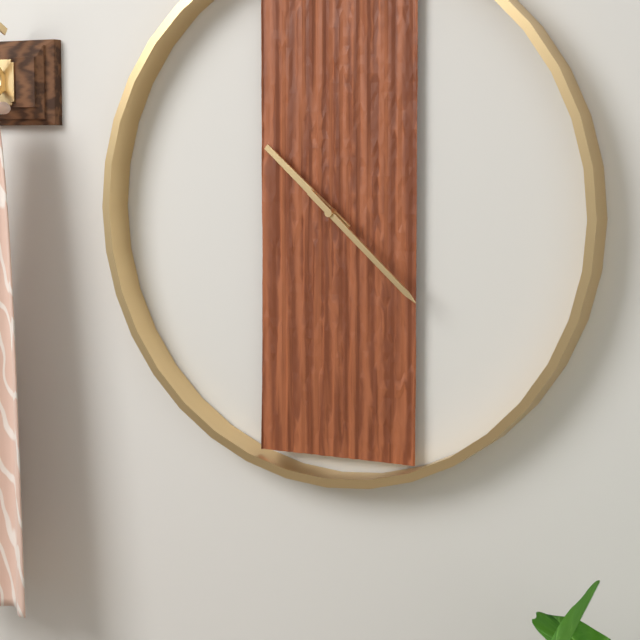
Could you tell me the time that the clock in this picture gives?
10:22
